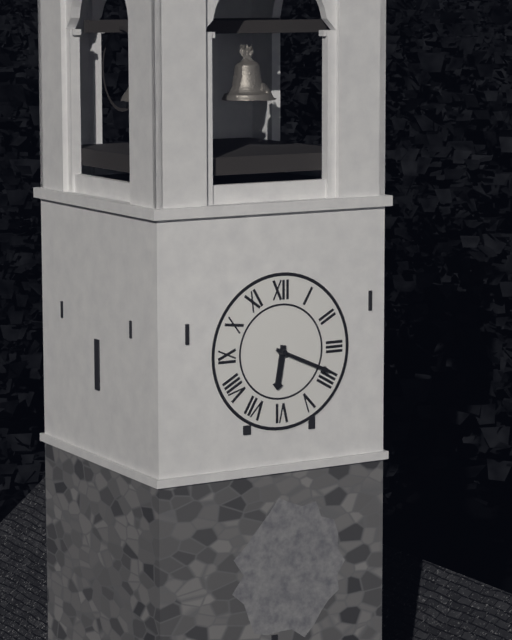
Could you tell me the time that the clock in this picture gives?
6:19
